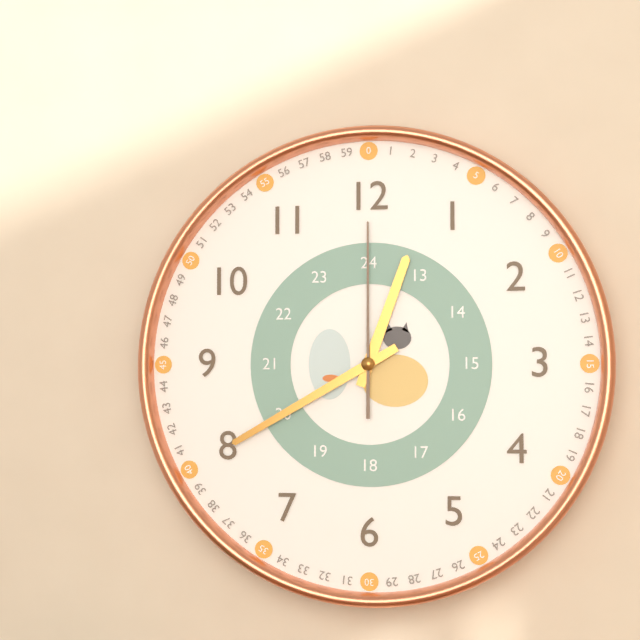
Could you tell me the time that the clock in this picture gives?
12:40:00
